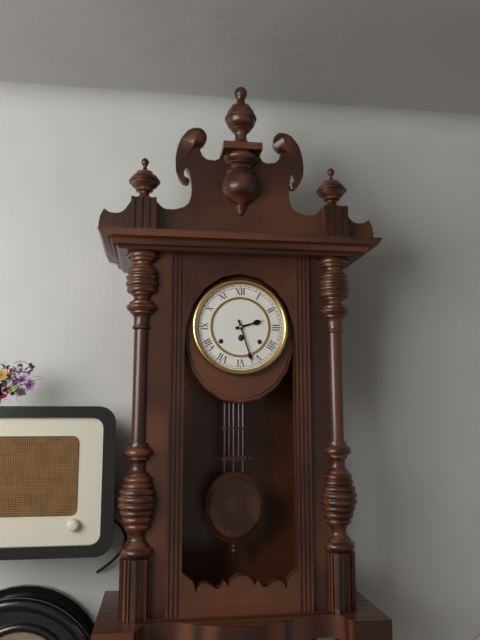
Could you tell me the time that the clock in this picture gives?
2:27
